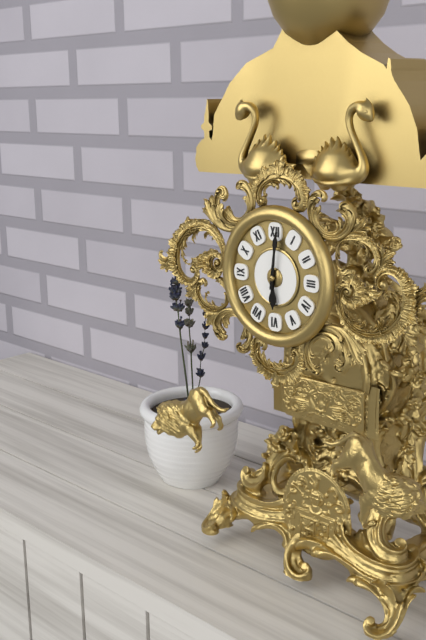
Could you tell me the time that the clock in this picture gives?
6:01
